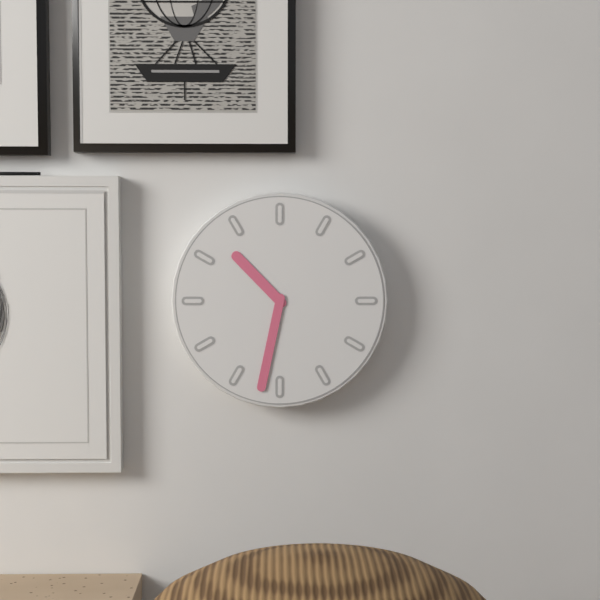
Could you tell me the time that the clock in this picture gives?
10:32
